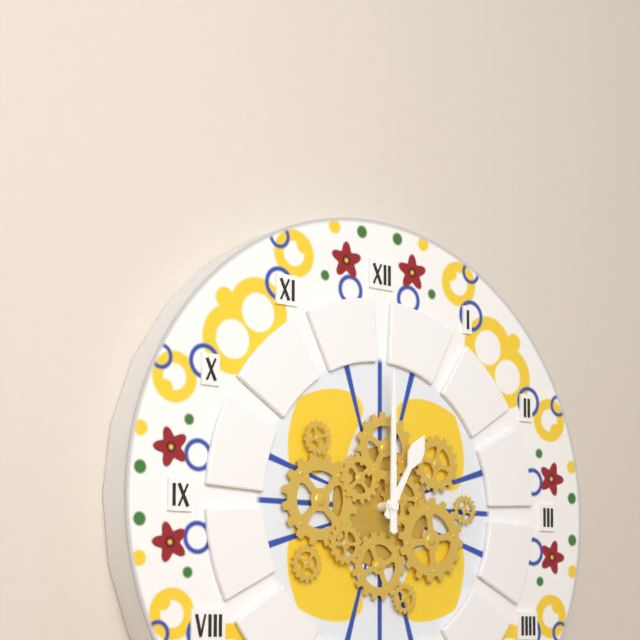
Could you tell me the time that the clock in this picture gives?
1:00
